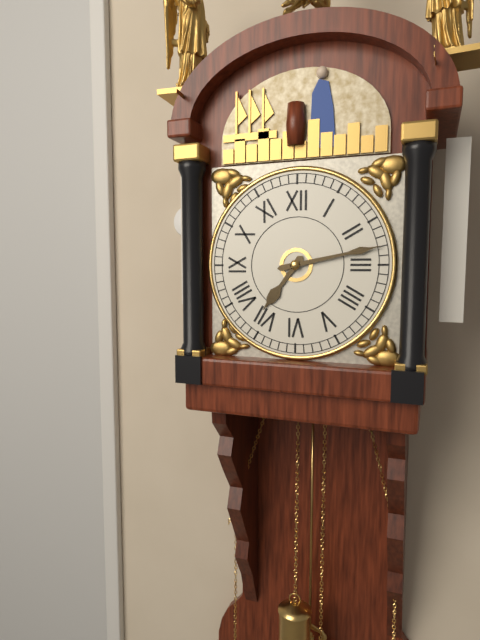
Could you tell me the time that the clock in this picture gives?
7:13
